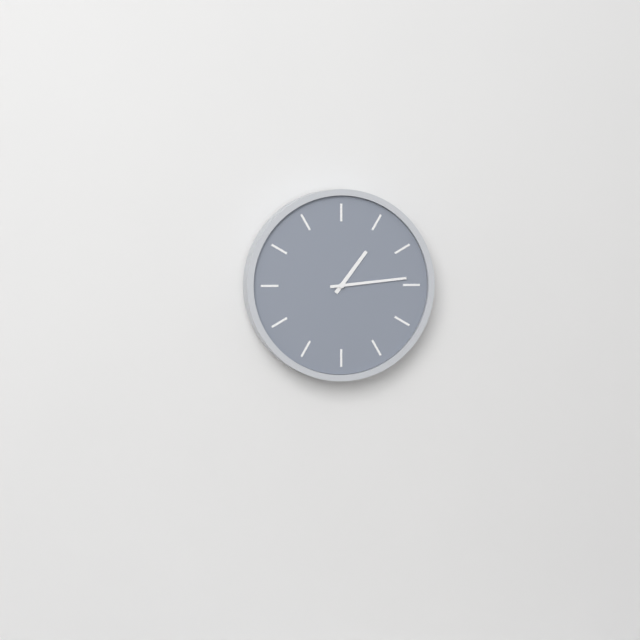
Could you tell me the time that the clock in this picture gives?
1:14
